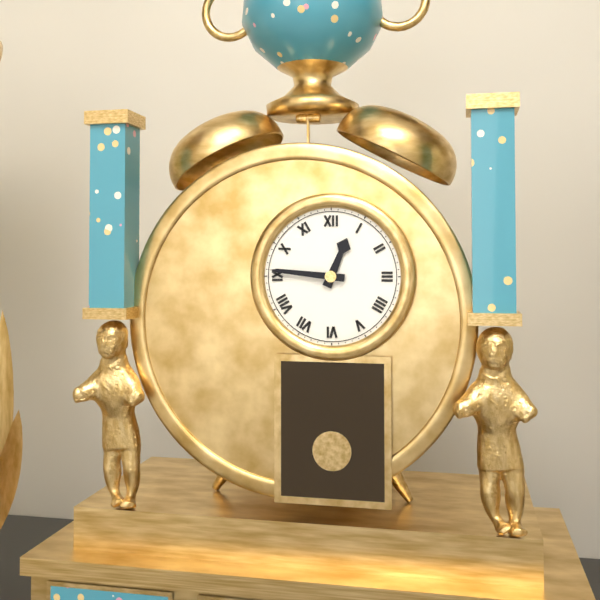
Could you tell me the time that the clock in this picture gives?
12:46
